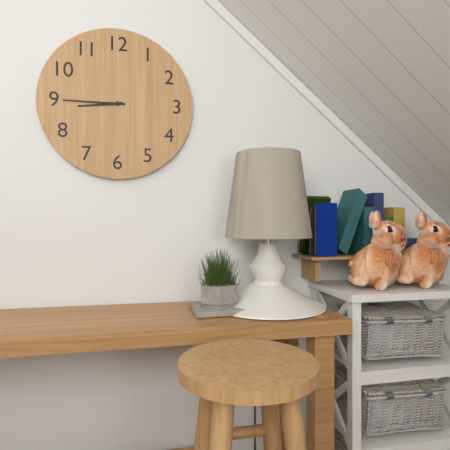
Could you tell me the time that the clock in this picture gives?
8:45
